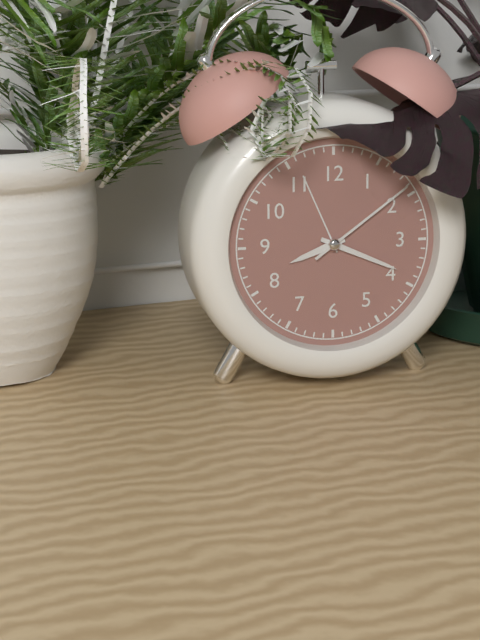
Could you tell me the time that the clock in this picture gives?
8:19
